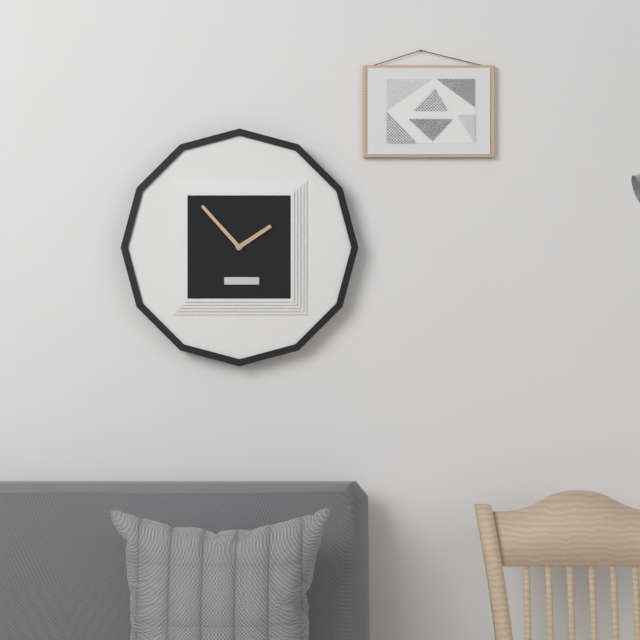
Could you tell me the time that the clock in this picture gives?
1:53
